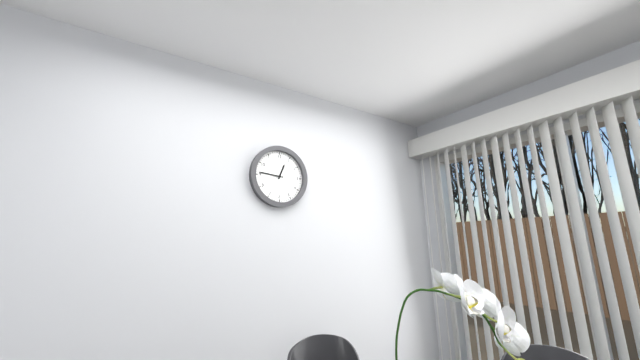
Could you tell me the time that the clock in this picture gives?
12:46
